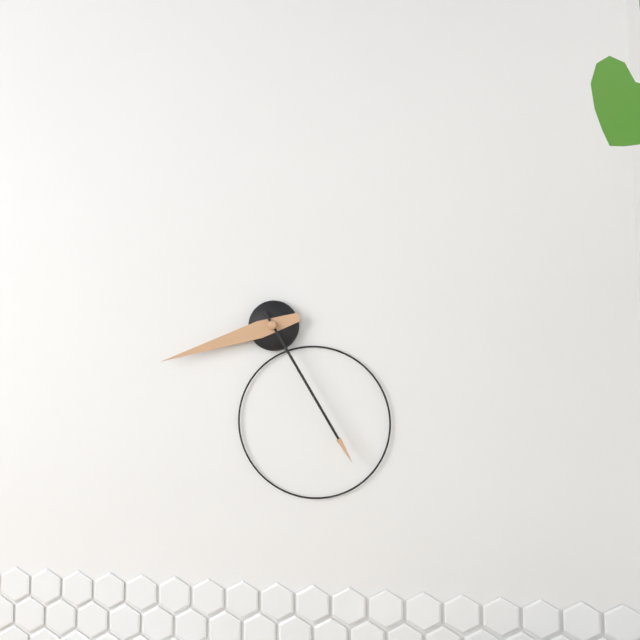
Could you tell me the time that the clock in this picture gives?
8:25
